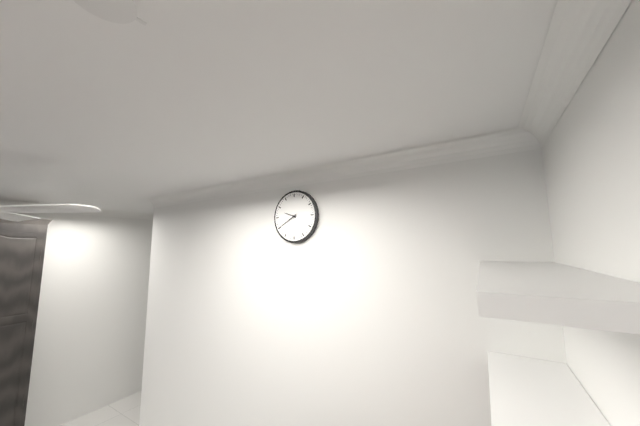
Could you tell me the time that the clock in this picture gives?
9:40
